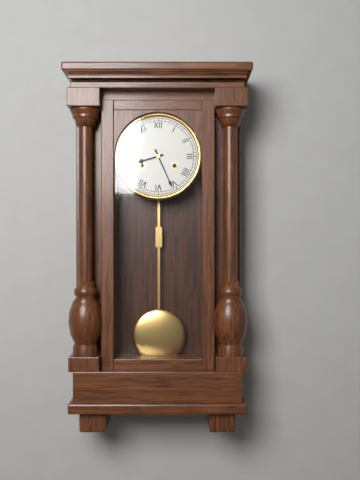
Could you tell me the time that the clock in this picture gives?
8:26
